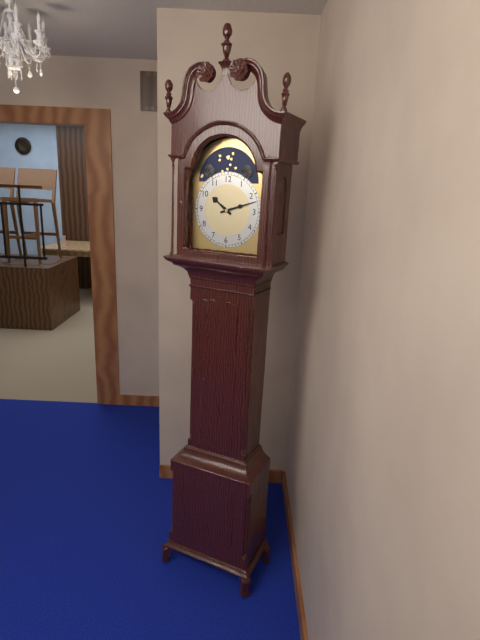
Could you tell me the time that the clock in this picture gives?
10:12
